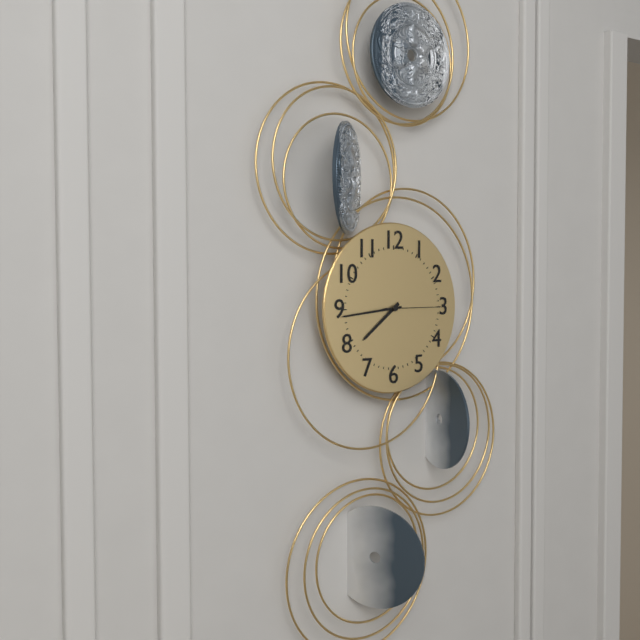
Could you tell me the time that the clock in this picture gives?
7:44:15
